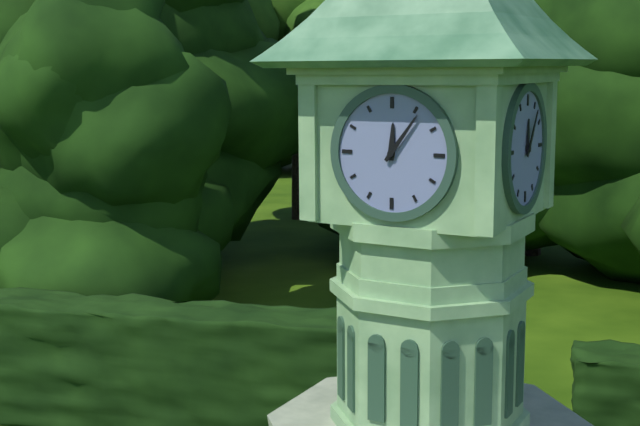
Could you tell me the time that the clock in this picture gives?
12:06
